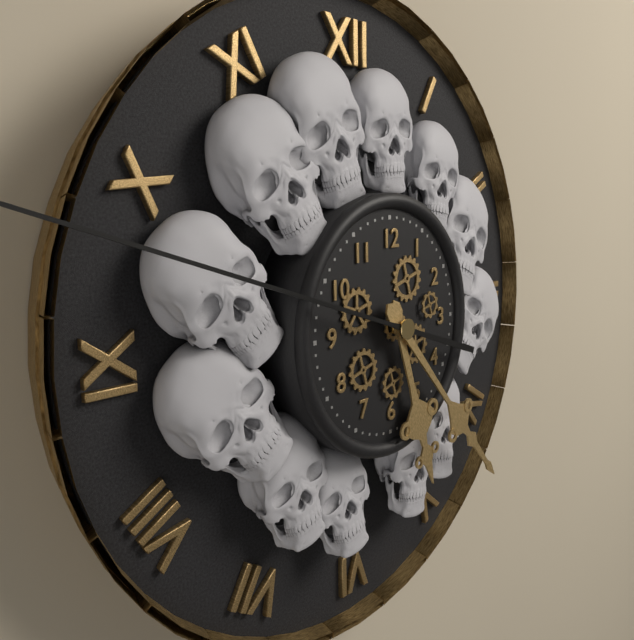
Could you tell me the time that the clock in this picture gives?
5:23
